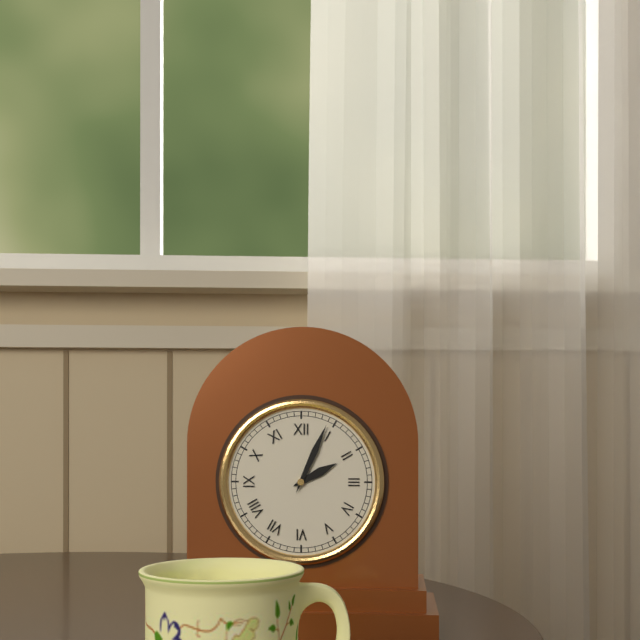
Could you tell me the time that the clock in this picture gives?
2:04
